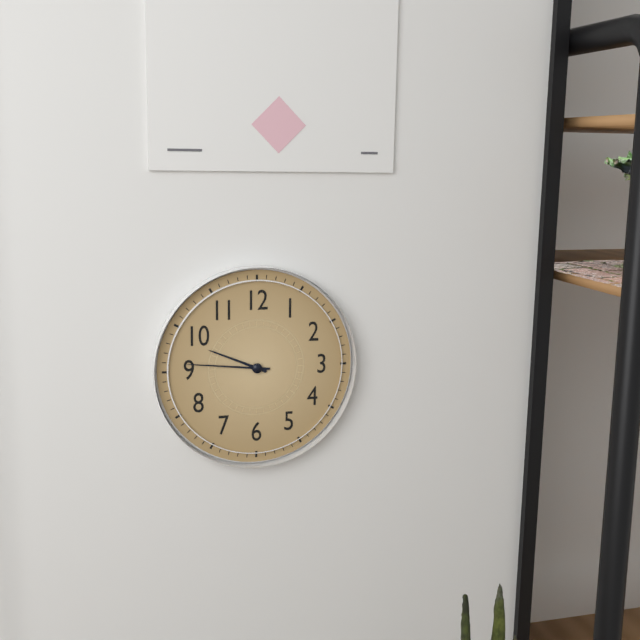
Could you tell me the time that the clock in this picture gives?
9:46
